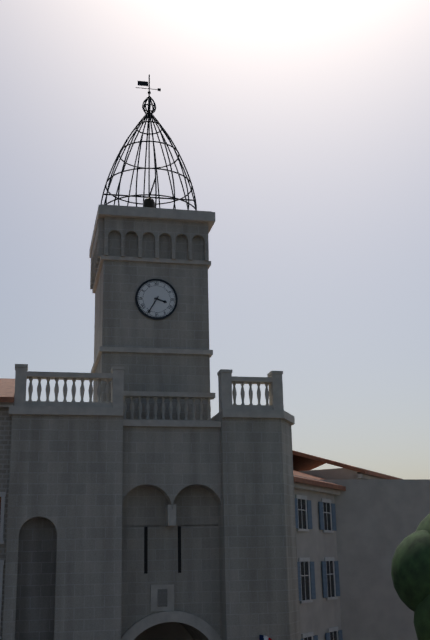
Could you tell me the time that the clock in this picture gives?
3:35
